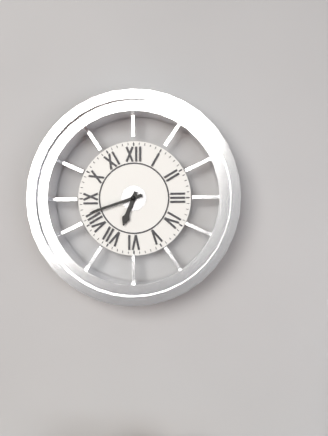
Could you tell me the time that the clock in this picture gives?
6:42
